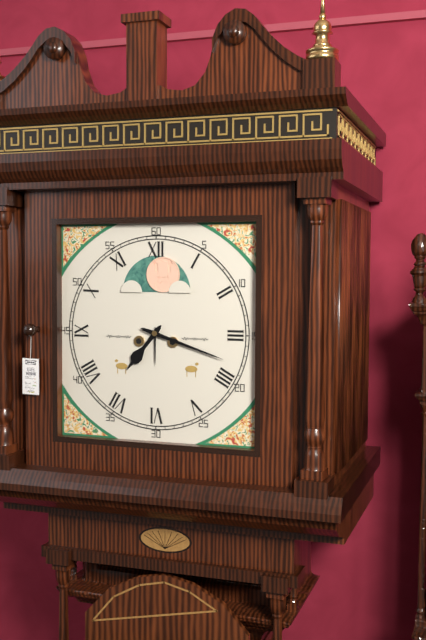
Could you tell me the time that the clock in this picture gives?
7:18
